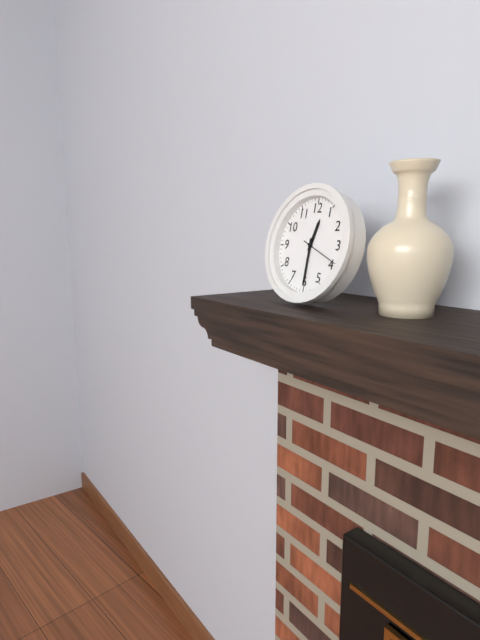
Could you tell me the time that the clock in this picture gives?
12:30
